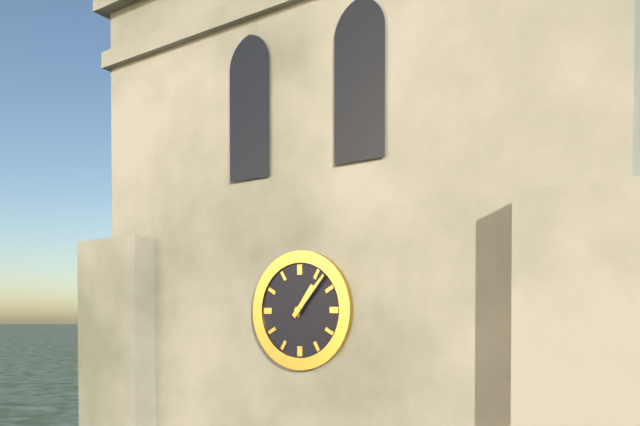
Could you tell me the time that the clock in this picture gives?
1:07
